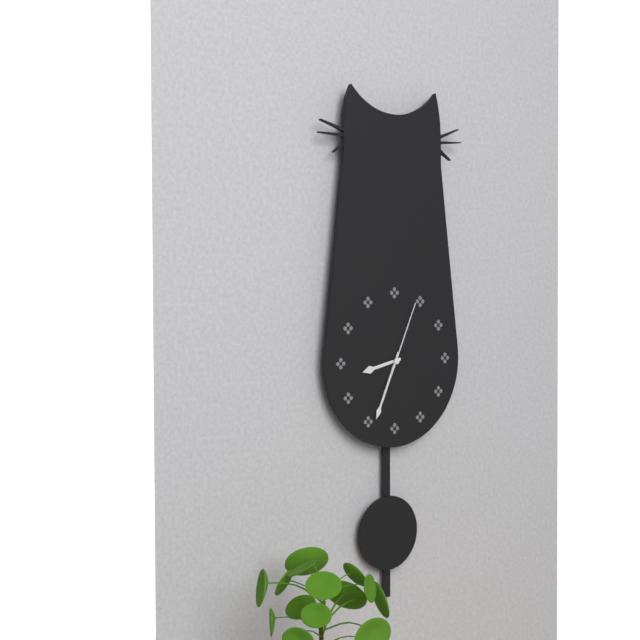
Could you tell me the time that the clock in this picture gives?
8:34:04
